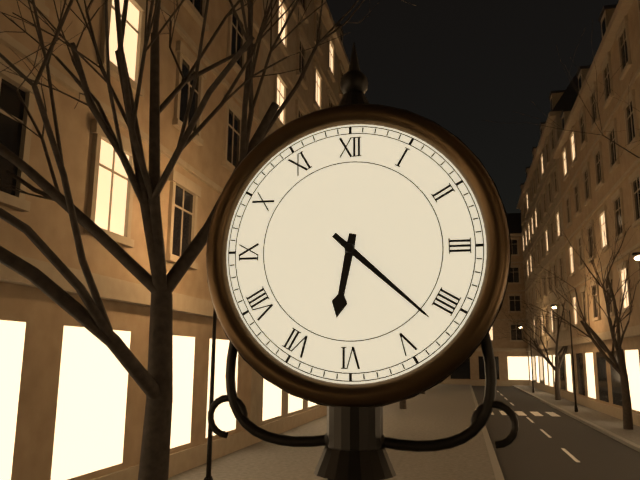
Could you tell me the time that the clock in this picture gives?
6:22
